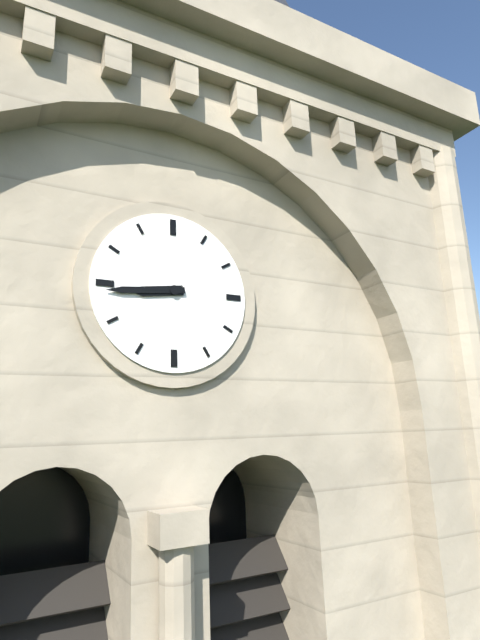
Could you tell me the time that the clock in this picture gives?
8:44
